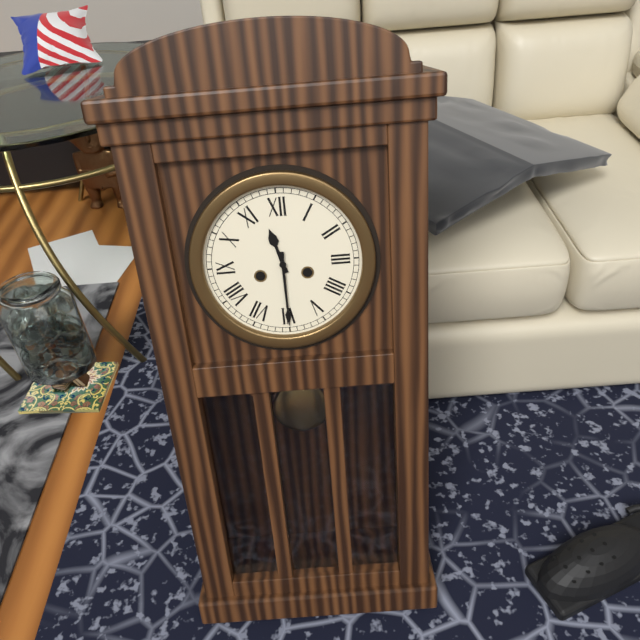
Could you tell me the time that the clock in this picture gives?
11:30
